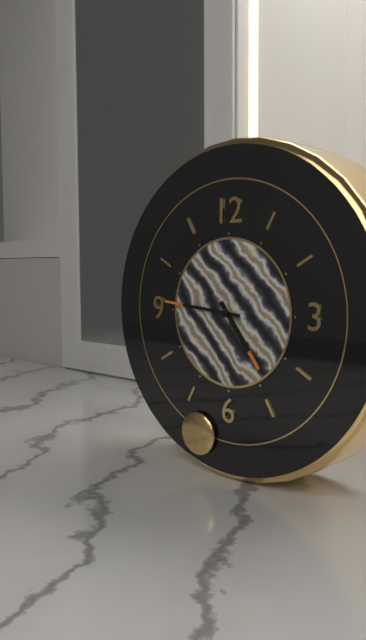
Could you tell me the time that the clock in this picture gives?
4:46
